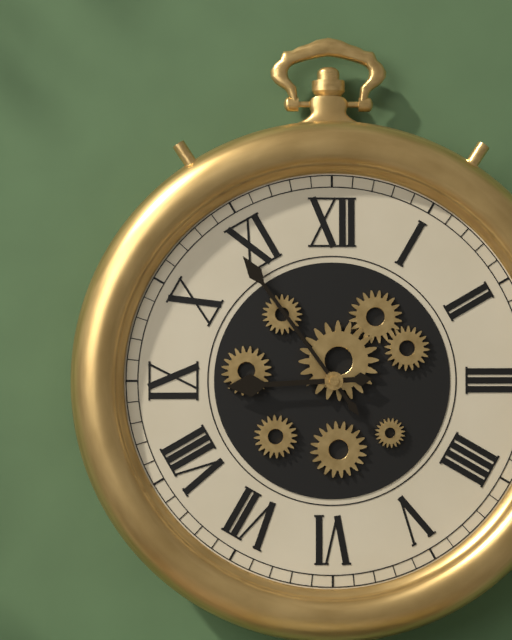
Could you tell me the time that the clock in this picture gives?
8:54
